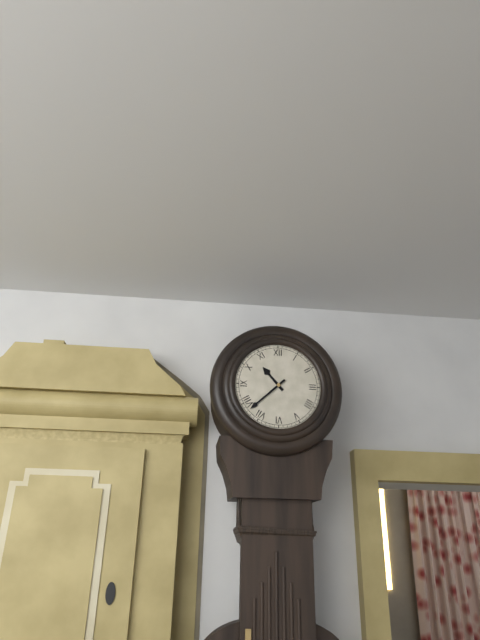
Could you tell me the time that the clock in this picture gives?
10:38
